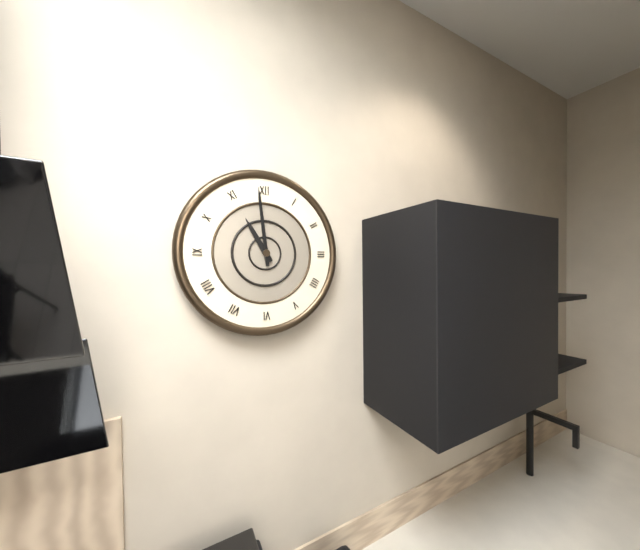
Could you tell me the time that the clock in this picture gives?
10:59
